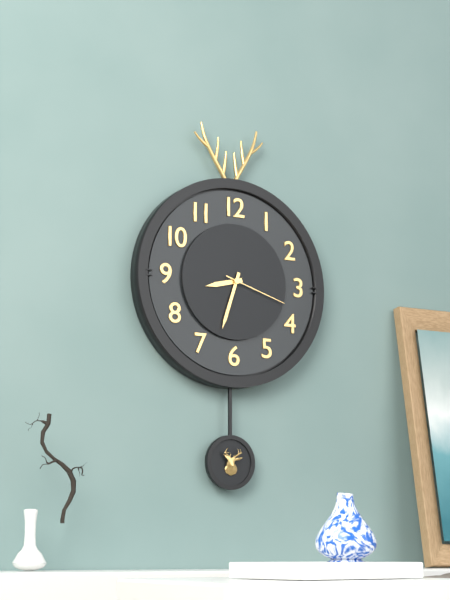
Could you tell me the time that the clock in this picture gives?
8:33:18
